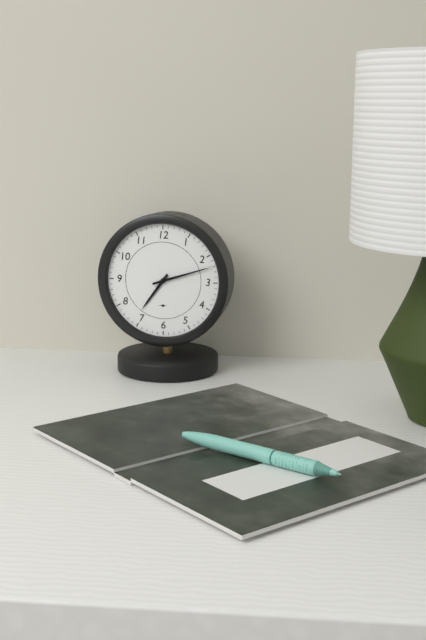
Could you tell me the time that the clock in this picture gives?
7:12
